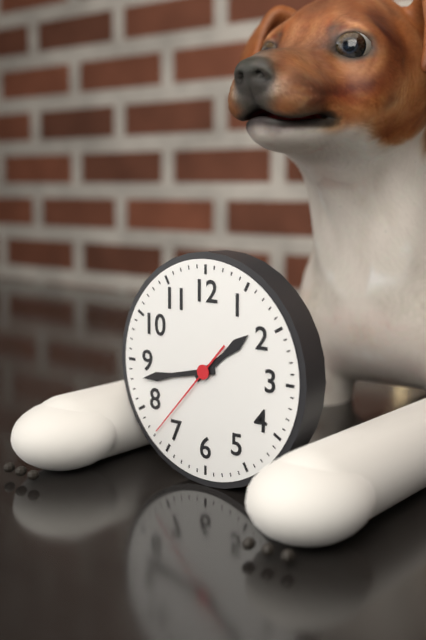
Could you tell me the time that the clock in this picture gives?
1:43:37
